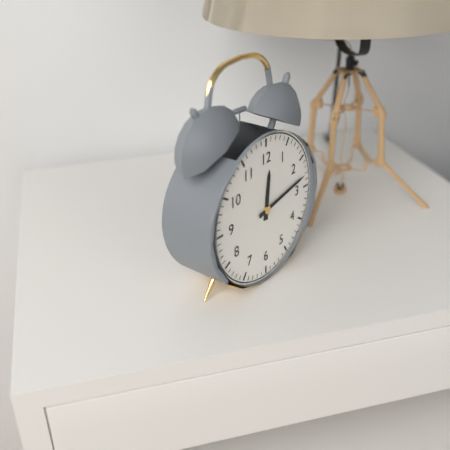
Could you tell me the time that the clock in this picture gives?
12:13
